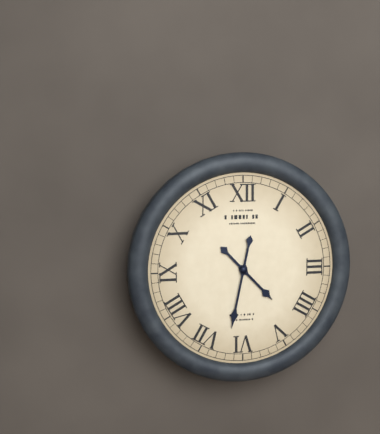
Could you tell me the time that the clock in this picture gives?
4:32
